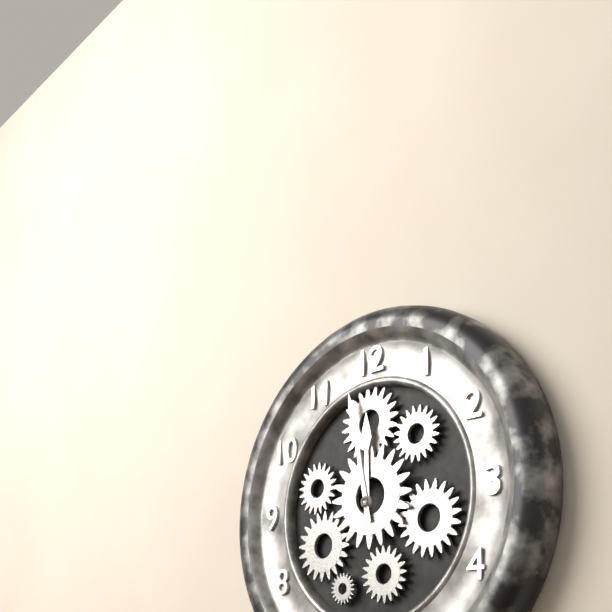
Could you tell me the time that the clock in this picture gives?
11:58
